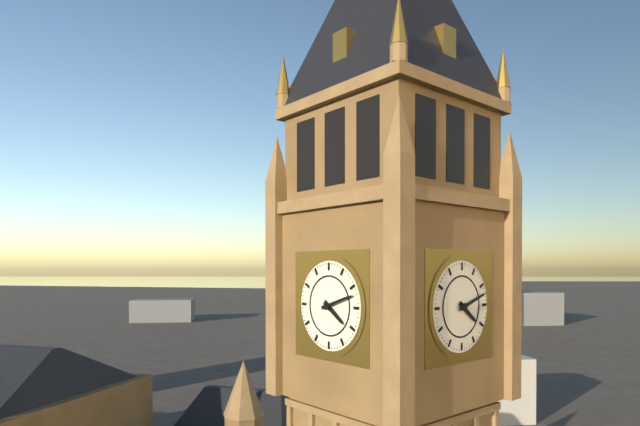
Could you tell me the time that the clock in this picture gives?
4:12
